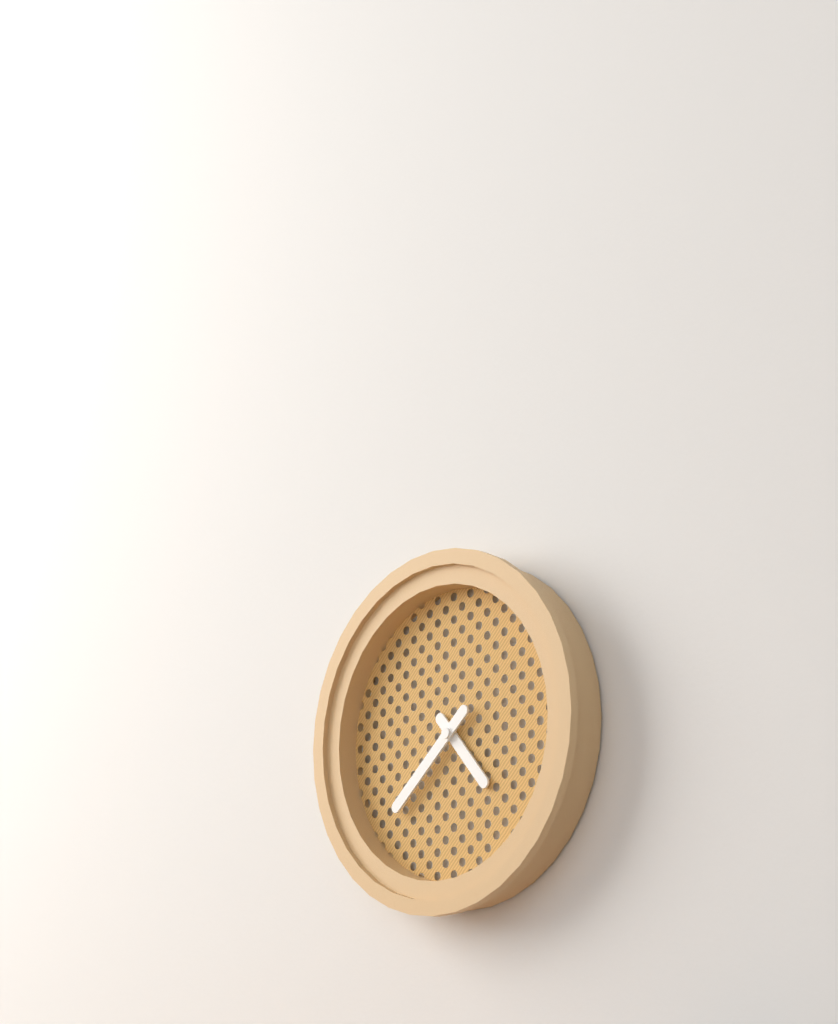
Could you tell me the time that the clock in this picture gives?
4:38
